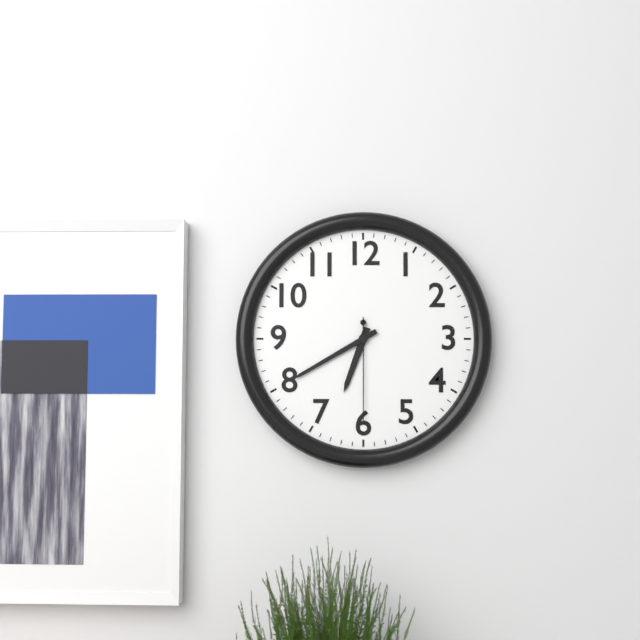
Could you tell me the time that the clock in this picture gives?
6:40:30
